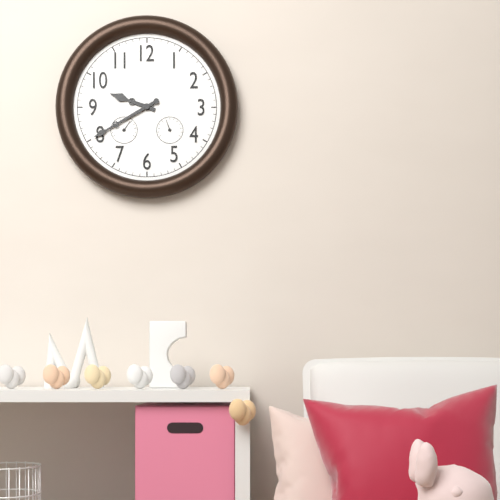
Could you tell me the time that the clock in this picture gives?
9:40
